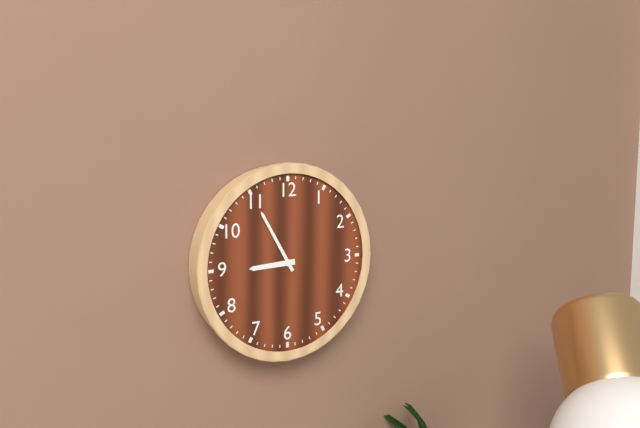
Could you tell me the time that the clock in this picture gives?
8:55
